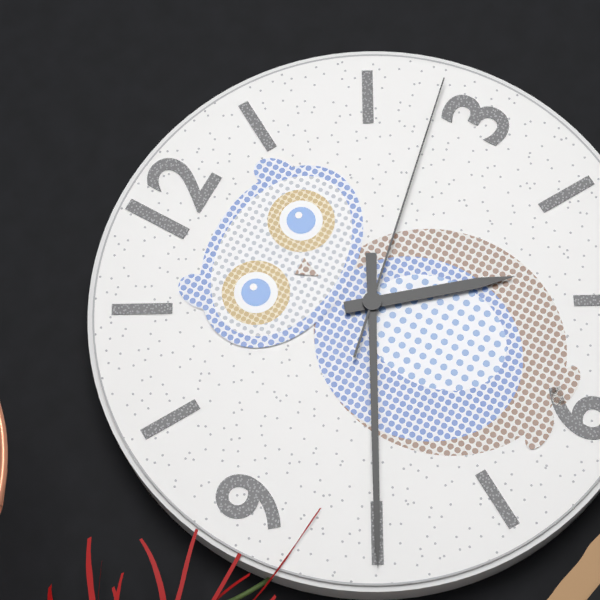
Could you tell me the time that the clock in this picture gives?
4:40:13
